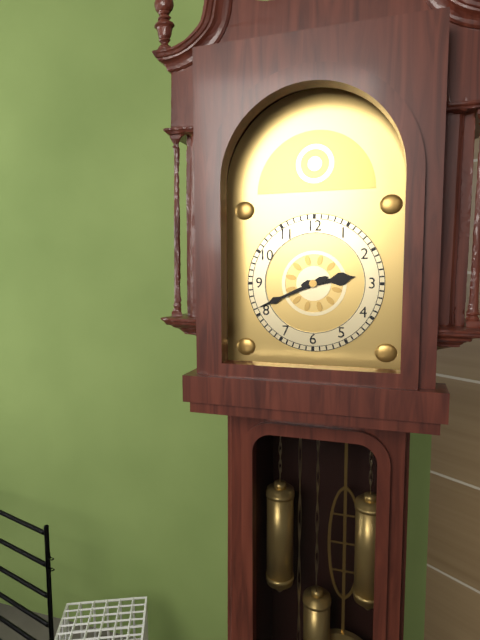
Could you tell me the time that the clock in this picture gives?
2:41
